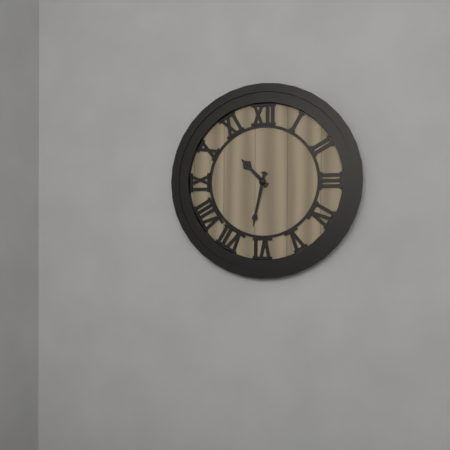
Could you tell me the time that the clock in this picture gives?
10:32
